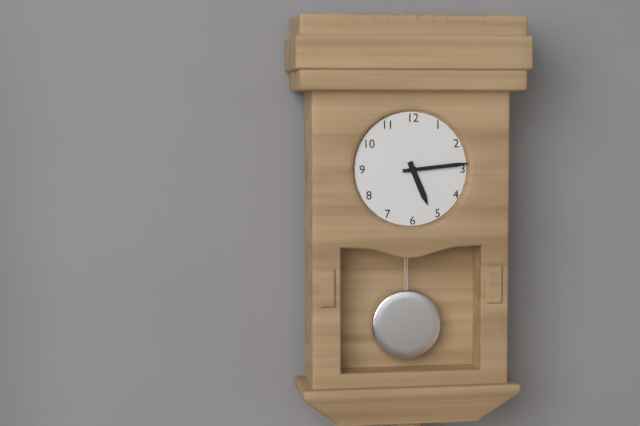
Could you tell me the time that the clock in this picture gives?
5:14
